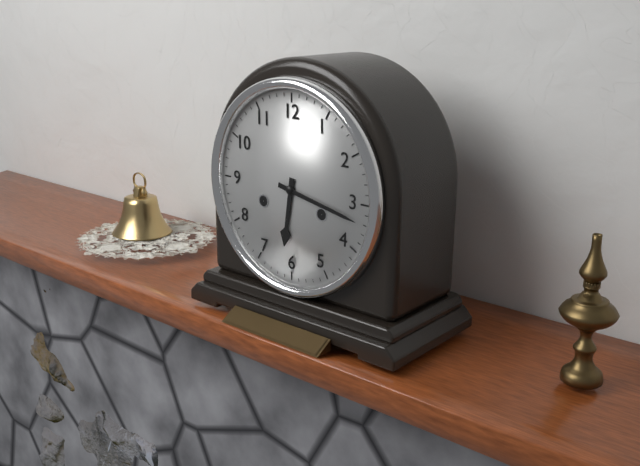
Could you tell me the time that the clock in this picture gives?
6:17
